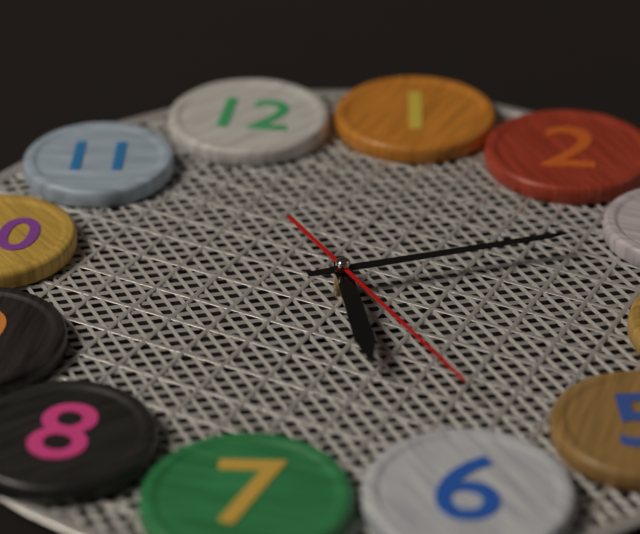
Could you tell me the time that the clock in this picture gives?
6:15:28
